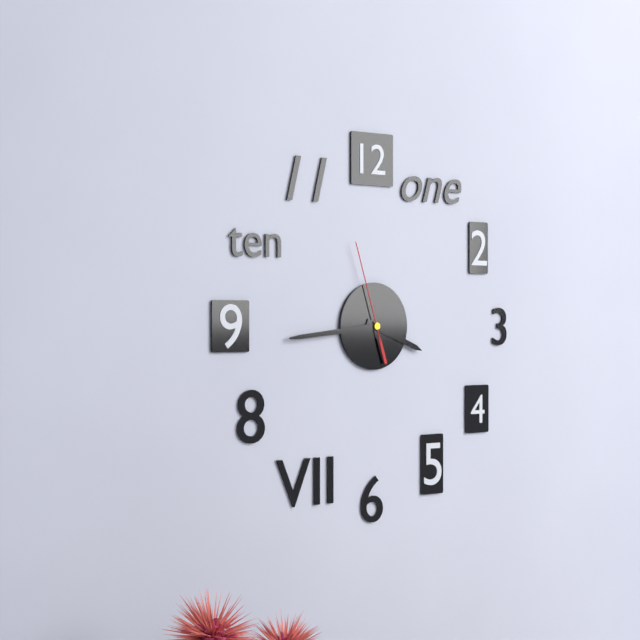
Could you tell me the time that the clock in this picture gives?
3:44:57
